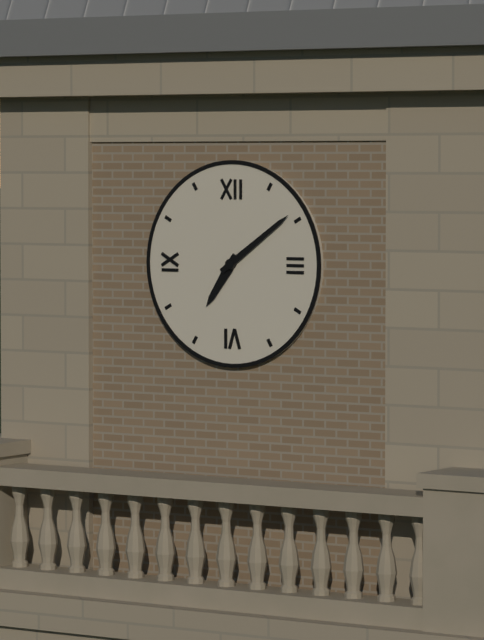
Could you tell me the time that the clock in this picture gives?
7:09
